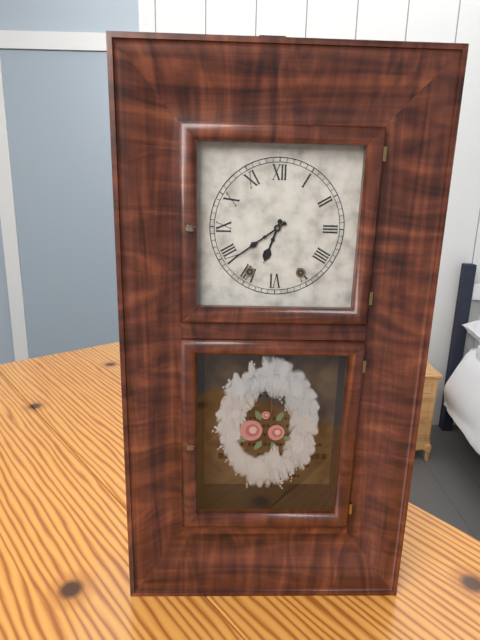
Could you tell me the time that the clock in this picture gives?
6:39
